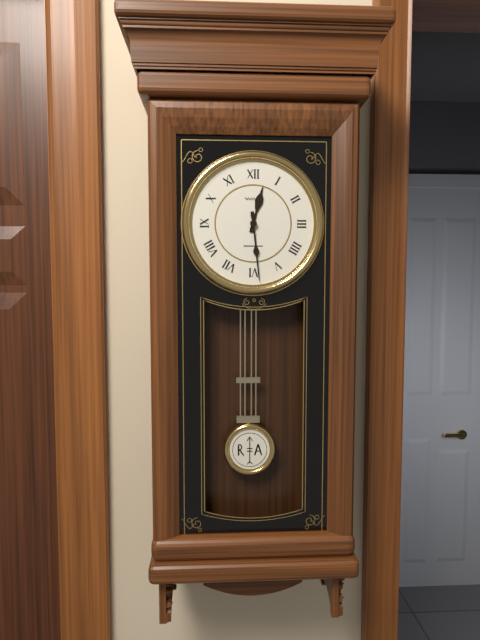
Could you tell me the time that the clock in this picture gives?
12:29
